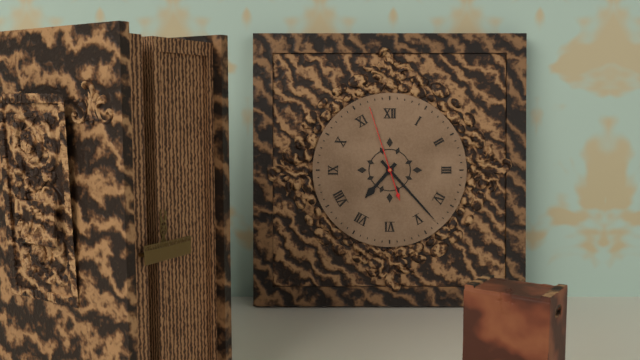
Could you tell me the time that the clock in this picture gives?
7:23:57
